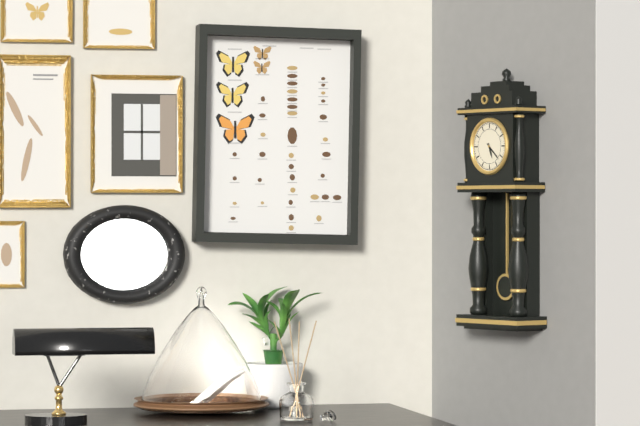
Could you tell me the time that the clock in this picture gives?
5:22
